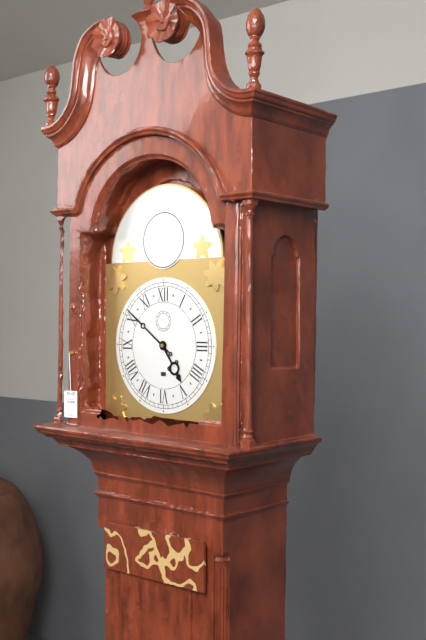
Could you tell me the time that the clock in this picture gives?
4:51
